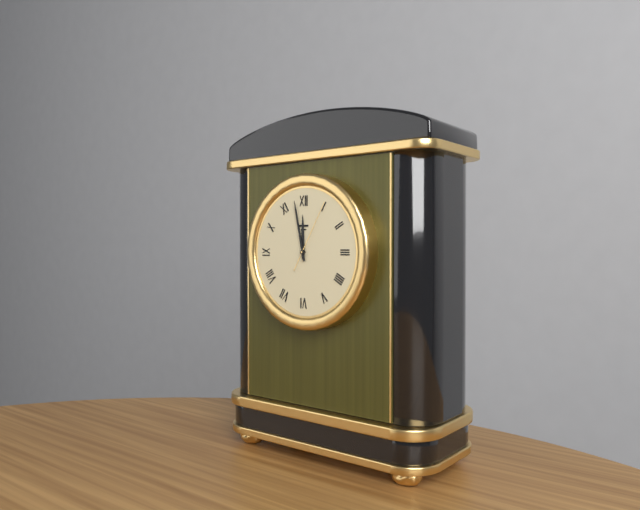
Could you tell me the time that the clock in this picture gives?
11:58:05
